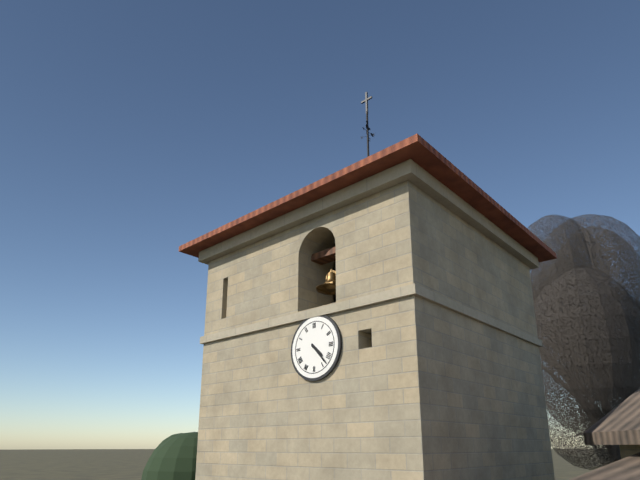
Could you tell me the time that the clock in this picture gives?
4:23
